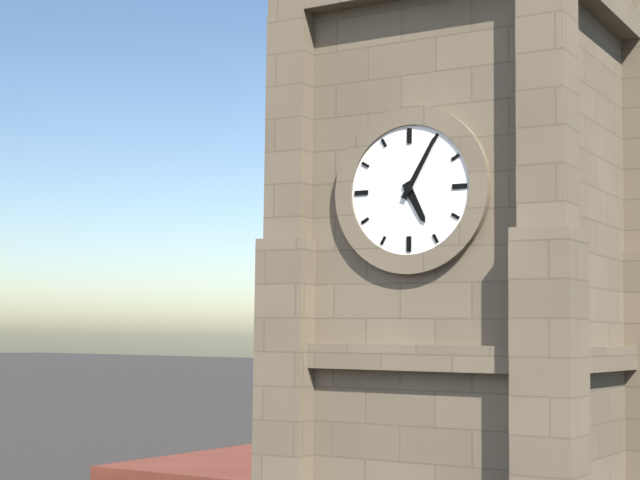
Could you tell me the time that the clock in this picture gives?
5:05
